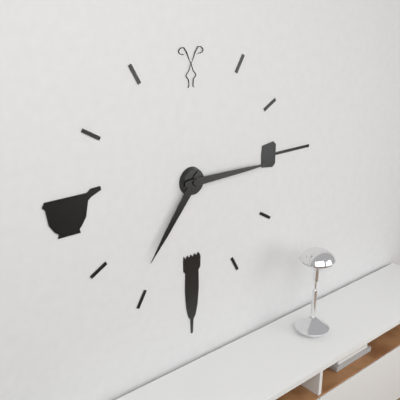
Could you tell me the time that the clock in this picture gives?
7:15
